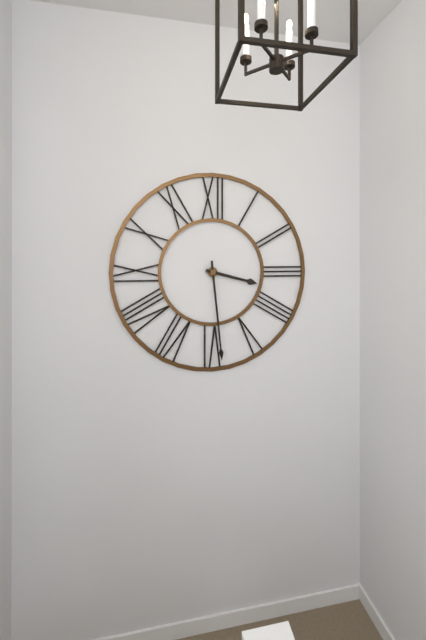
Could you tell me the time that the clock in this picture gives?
3:29
